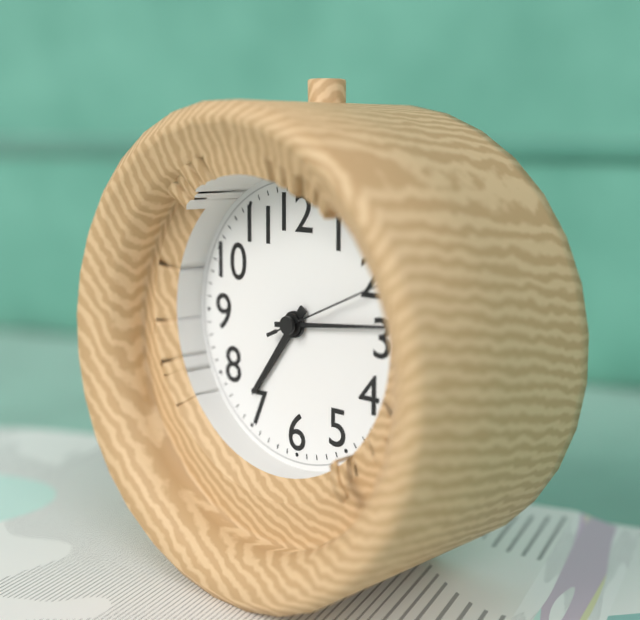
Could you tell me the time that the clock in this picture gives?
7:14:11
